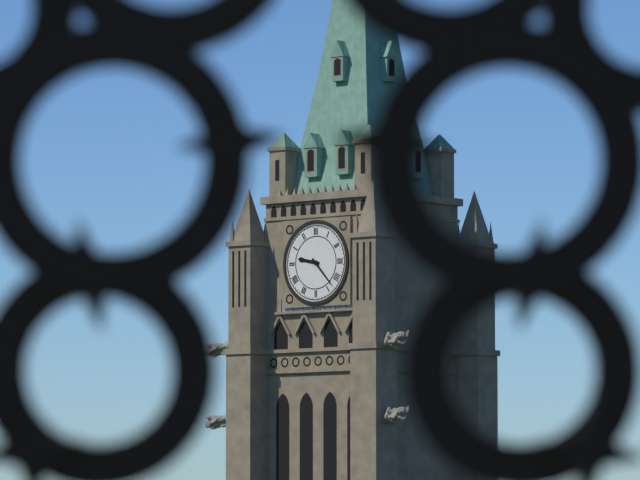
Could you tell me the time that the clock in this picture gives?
9:23
